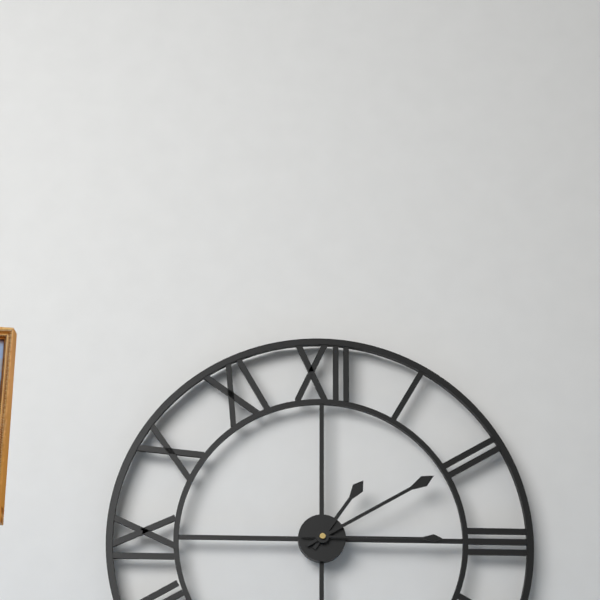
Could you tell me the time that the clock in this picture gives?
1:10:15
